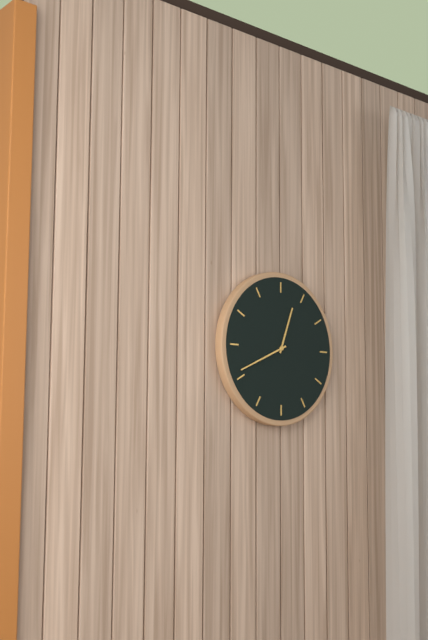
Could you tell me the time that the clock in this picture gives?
12:41
